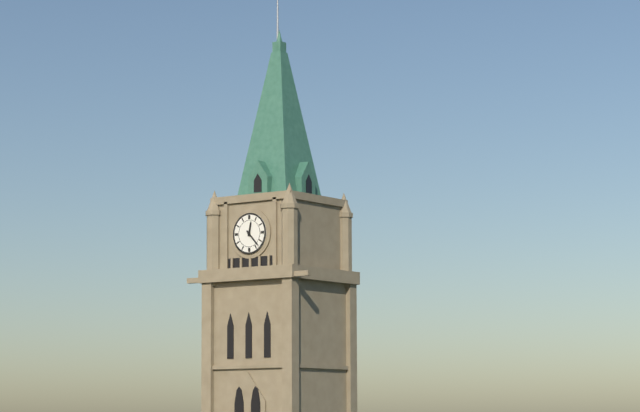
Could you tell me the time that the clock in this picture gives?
12:23
